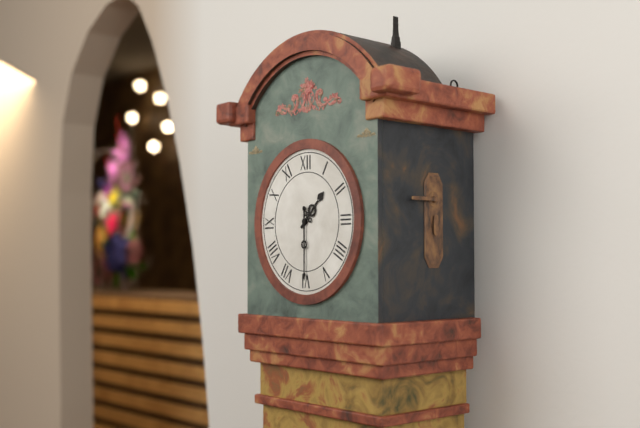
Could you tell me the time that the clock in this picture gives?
1:30
